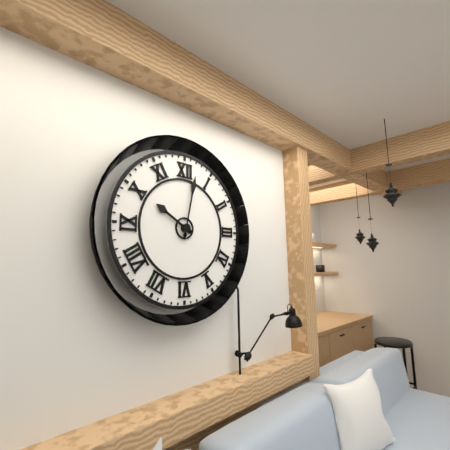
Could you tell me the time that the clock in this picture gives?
10:02
